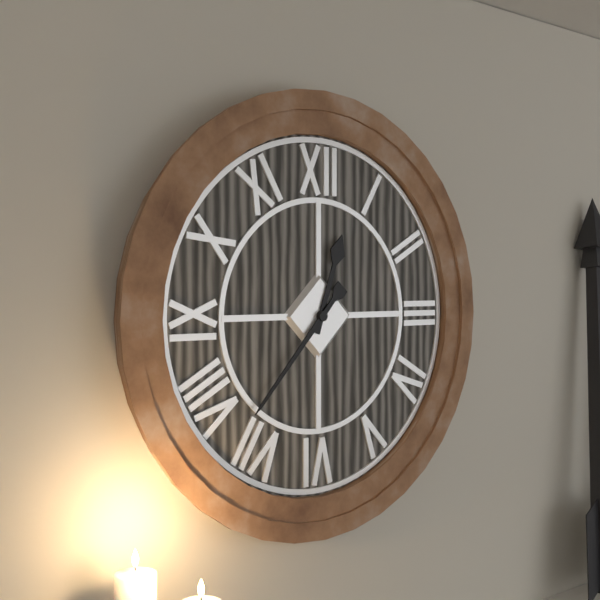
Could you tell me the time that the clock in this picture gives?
12:37
